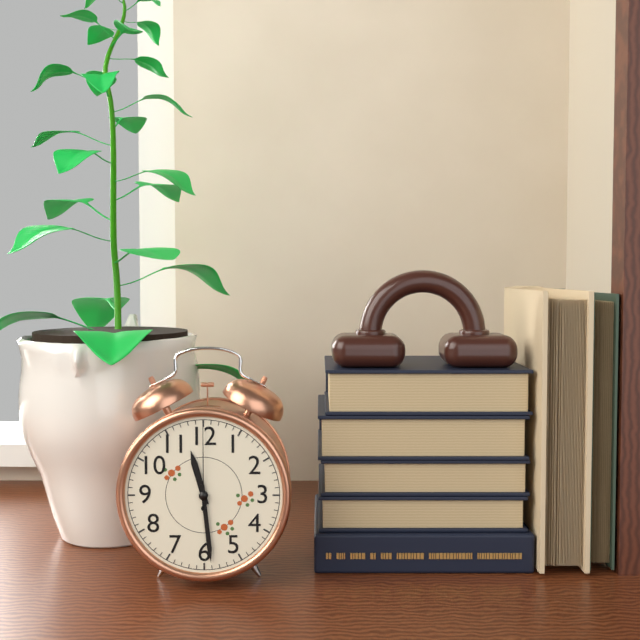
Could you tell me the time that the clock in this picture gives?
11:29:00
